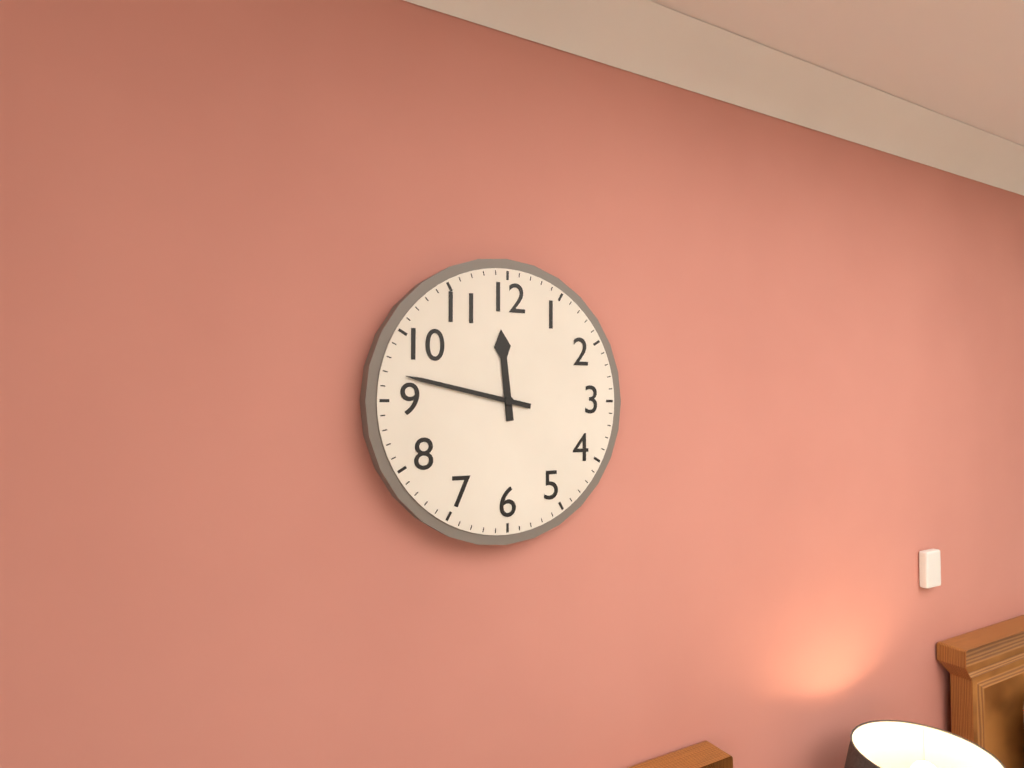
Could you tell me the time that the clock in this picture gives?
11:47
